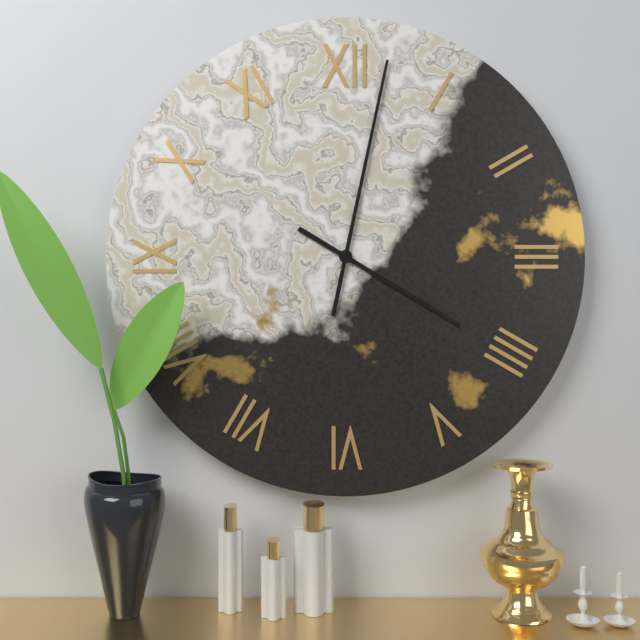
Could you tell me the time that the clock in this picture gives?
4:02
